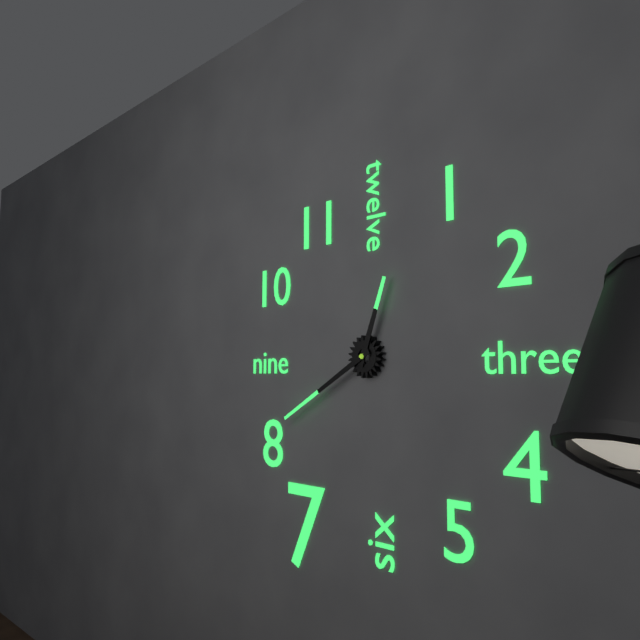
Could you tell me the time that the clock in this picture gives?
12:40
